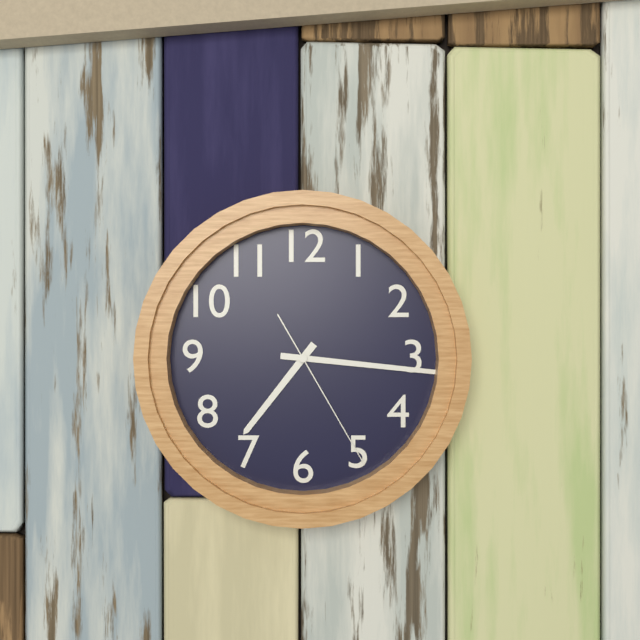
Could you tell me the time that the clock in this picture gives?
7:16:25
